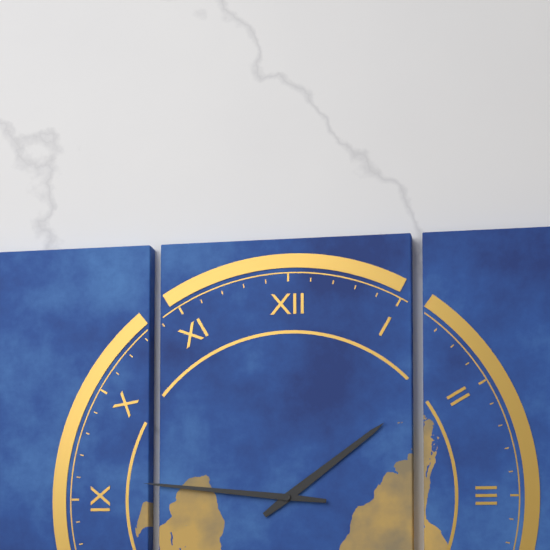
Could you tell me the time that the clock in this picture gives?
1:46
